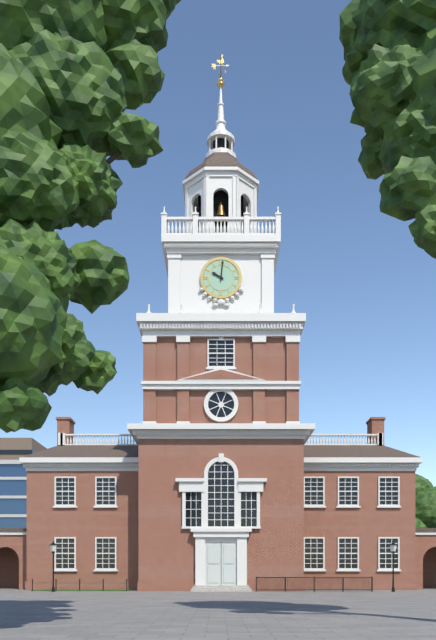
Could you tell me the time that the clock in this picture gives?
10:01
